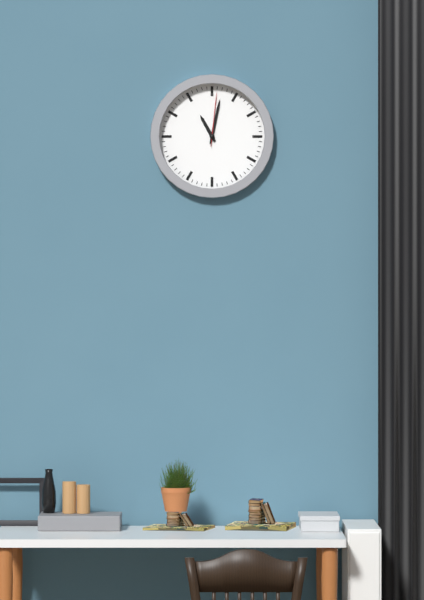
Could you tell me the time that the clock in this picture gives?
11:02:01
